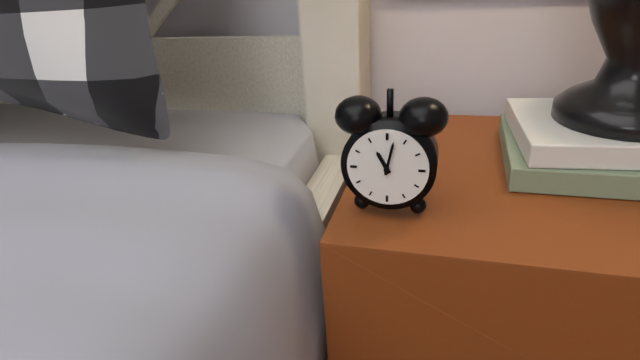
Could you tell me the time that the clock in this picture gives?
11:02
